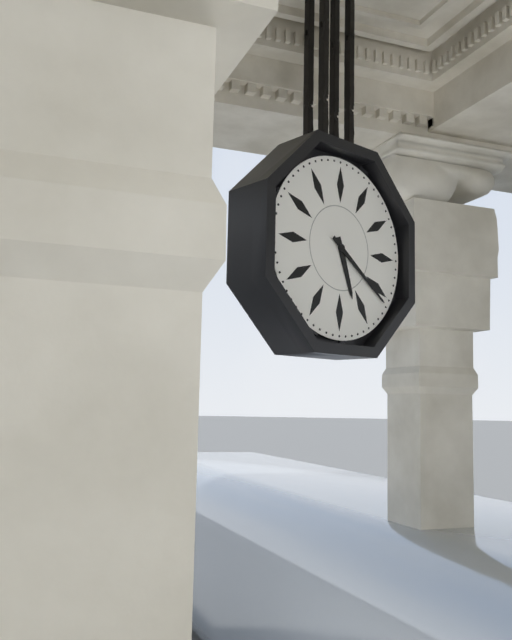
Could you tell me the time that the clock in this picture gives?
5:21
